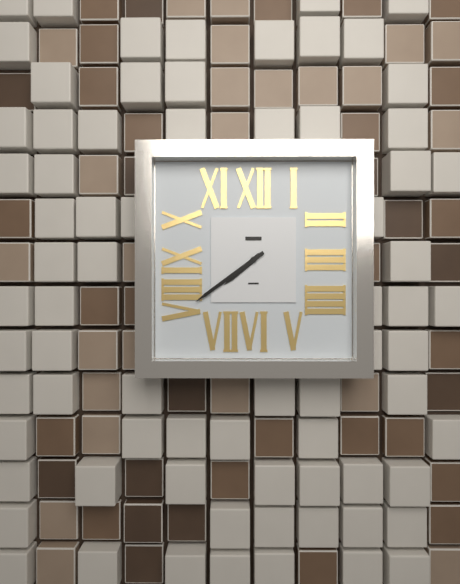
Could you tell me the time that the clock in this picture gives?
7:39
